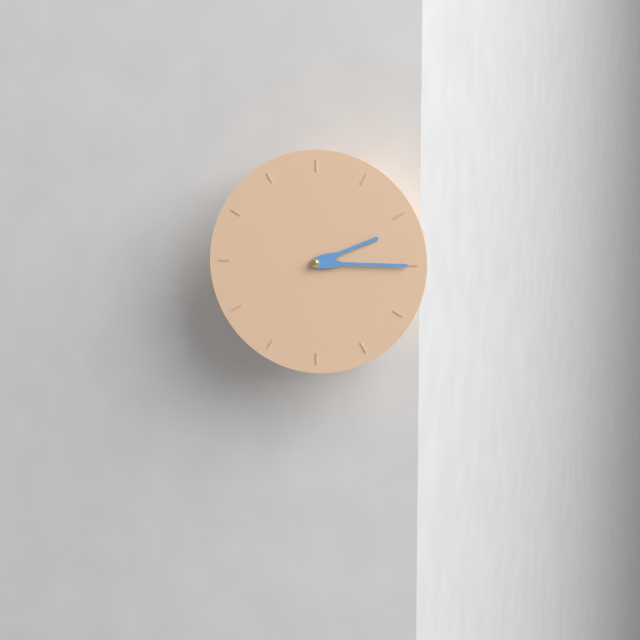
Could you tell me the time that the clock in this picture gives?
2:15
